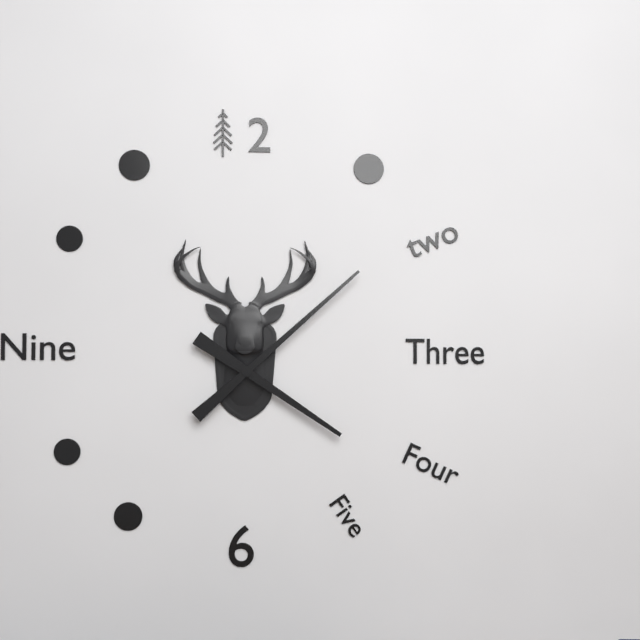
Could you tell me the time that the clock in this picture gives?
4:08
